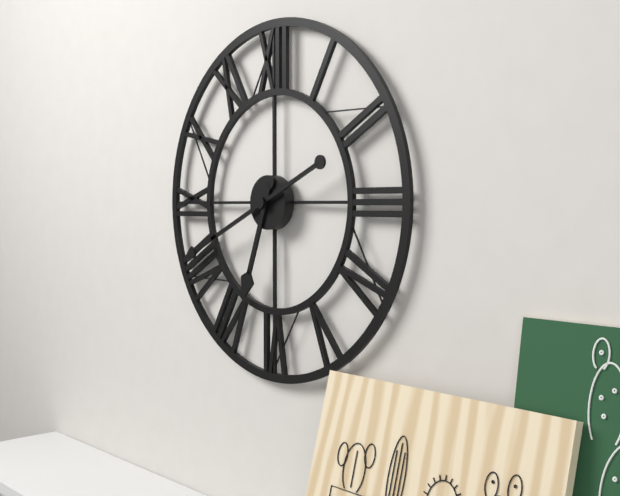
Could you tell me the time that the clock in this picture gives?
6:41
